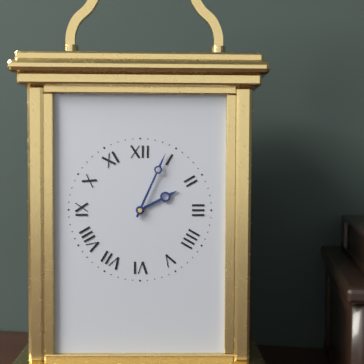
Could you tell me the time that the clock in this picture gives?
2:04
